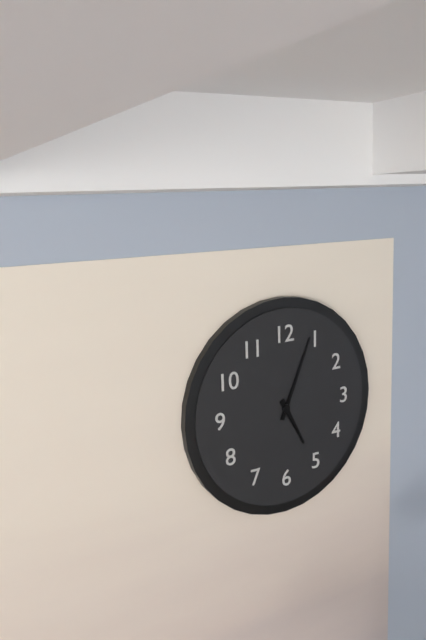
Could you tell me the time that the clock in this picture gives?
5:04
